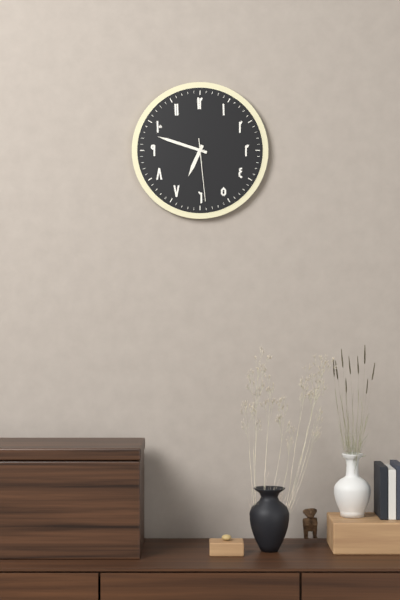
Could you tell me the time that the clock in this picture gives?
6:48:29
